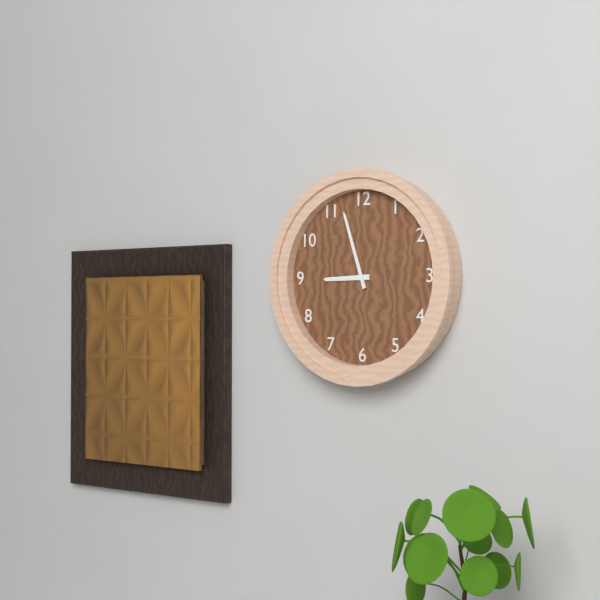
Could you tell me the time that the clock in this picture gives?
8:57
